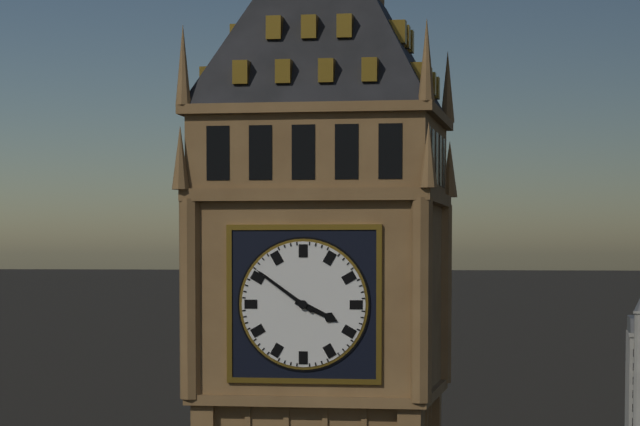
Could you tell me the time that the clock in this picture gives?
3:51
